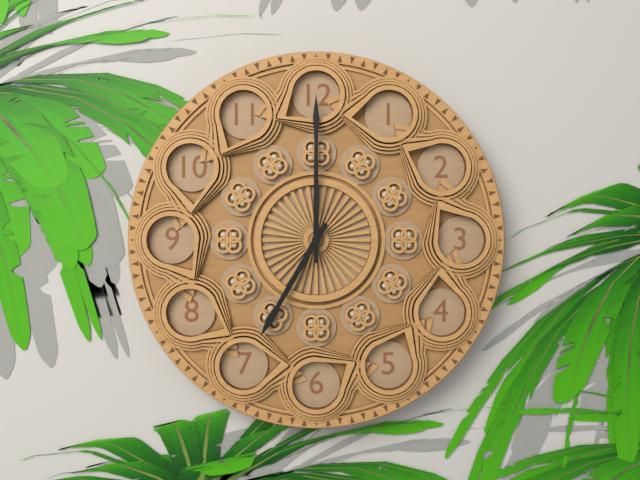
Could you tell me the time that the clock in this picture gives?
7:00
